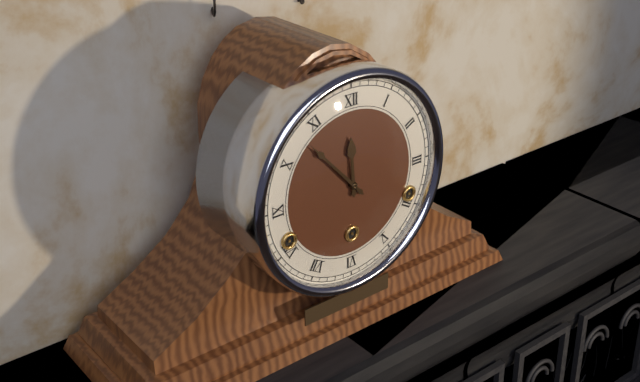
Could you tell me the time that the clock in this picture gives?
11:53
